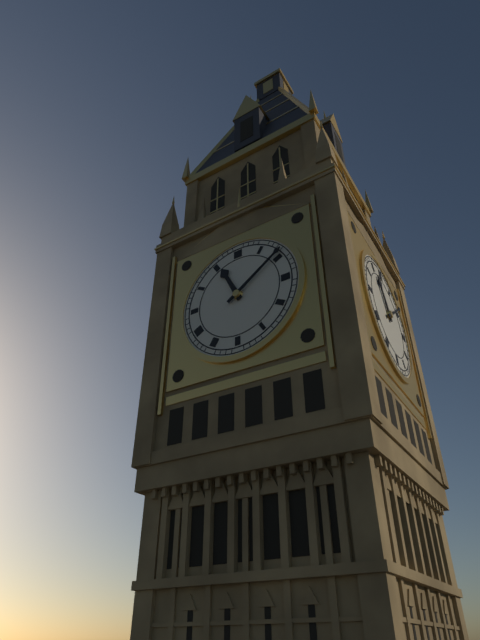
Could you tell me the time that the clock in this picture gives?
11:09
